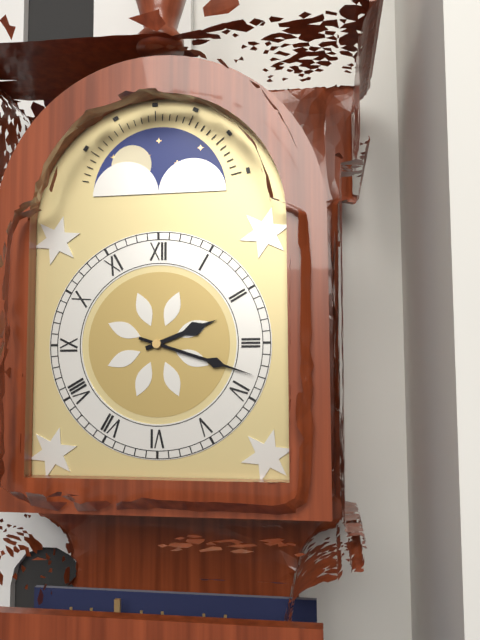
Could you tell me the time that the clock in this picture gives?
2:18
